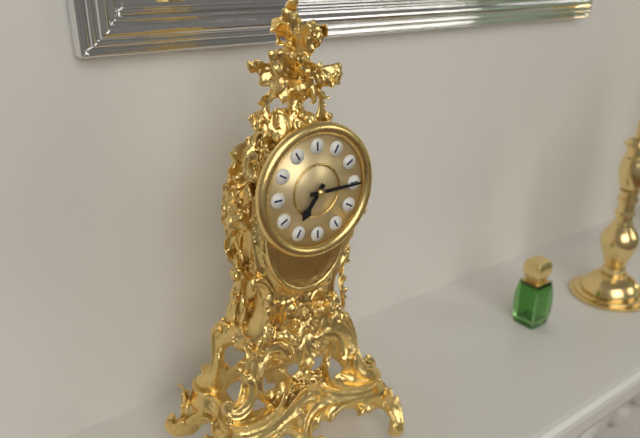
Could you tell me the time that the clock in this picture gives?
7:15
